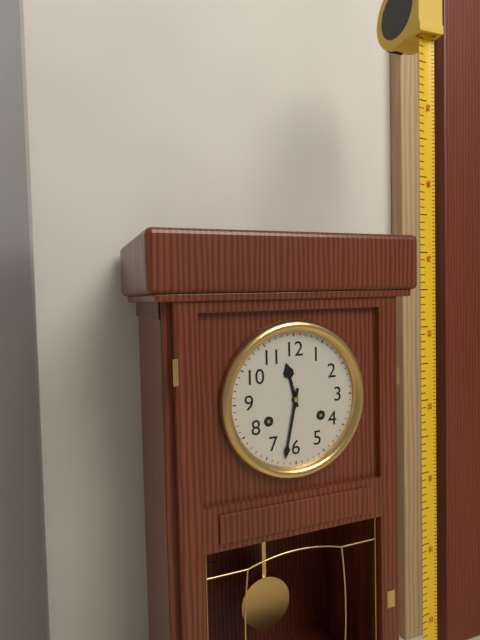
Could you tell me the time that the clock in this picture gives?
11:32
